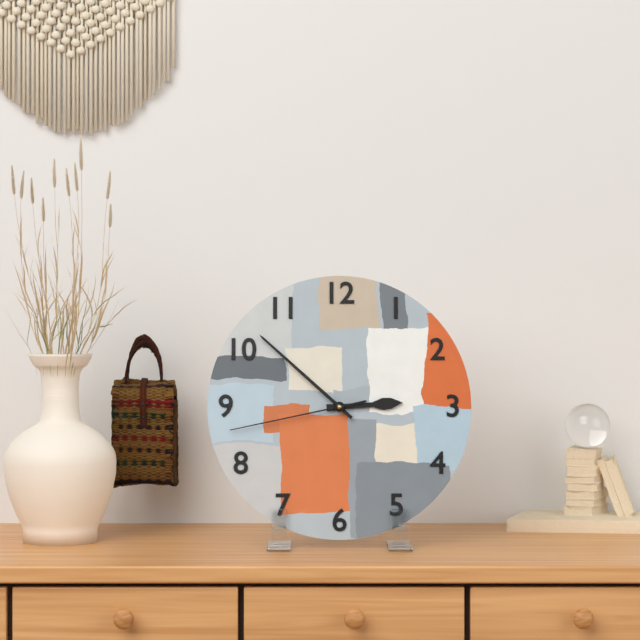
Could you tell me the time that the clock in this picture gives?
2:52:43
